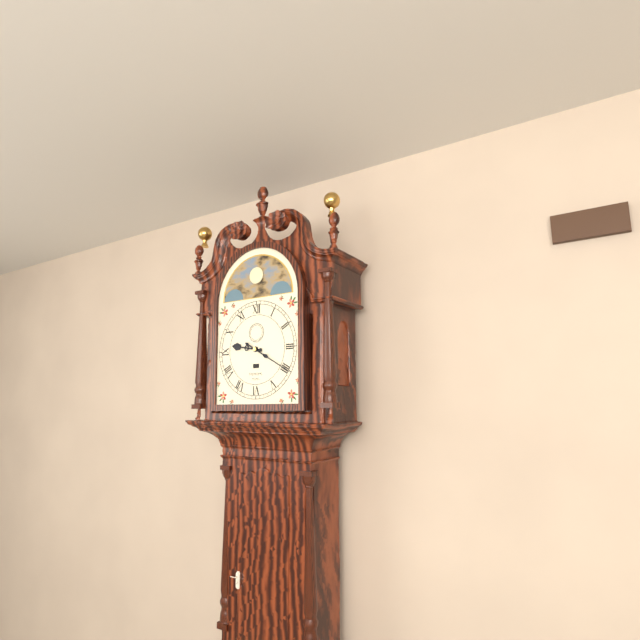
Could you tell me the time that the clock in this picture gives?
9:20
